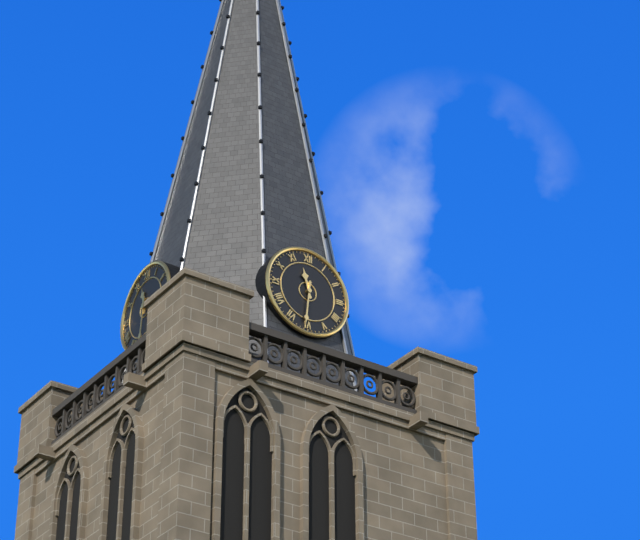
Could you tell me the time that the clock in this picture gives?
11:31
